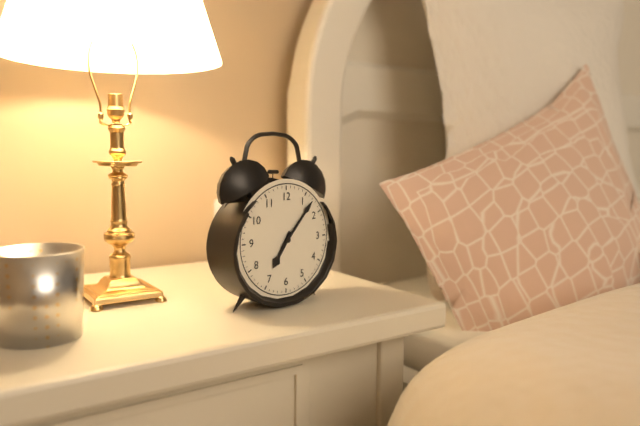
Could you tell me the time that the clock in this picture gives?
7:07
